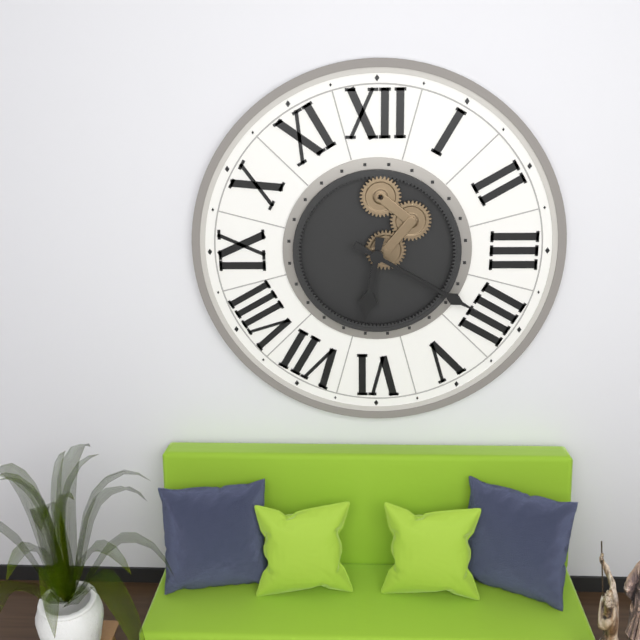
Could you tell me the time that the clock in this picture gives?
6:20
